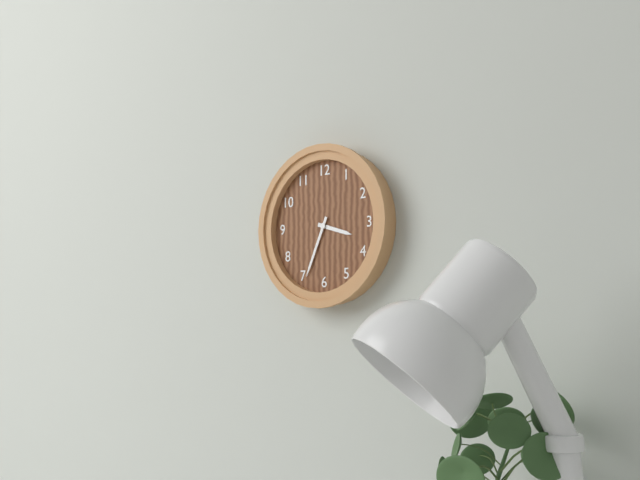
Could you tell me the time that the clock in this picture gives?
3:34
